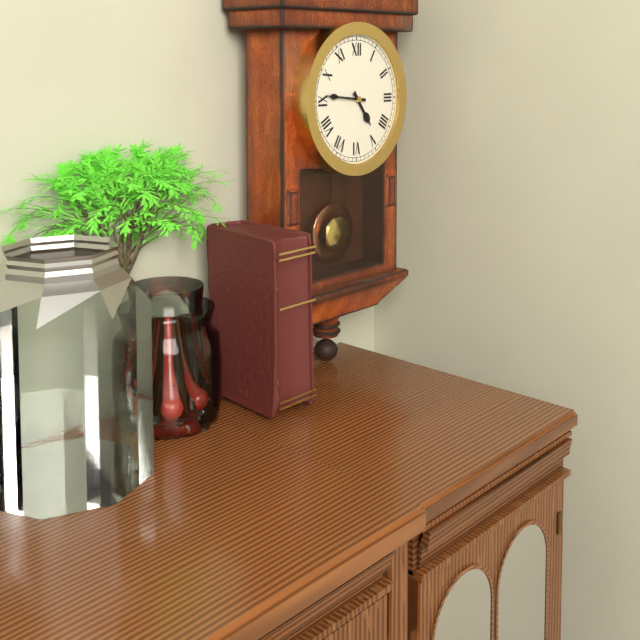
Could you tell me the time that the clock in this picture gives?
4:46
